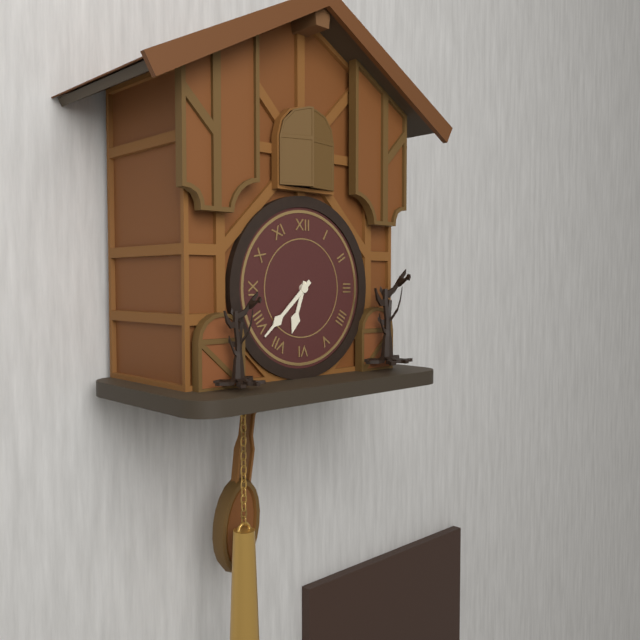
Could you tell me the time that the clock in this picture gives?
6:38
